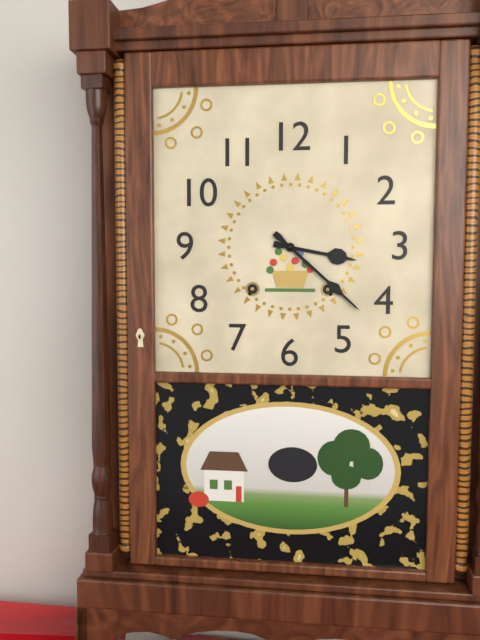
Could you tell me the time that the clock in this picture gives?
3:22
